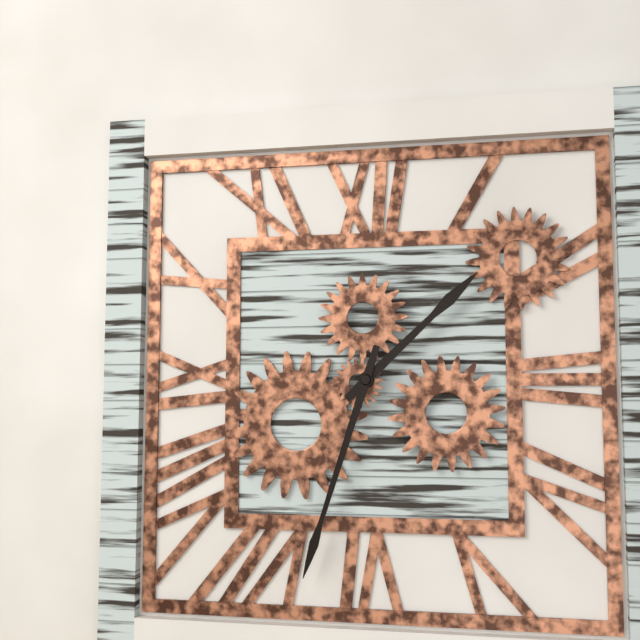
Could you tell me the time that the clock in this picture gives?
1:33
